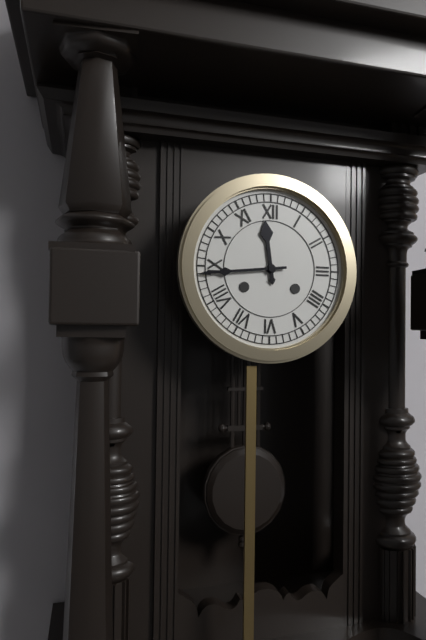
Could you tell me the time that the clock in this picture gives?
11:44
